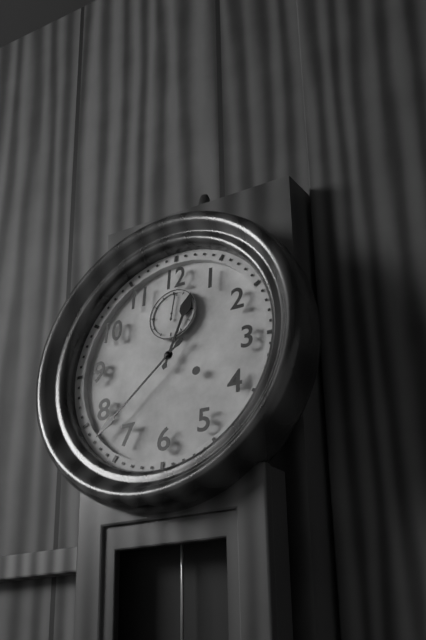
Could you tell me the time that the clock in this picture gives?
12:38
